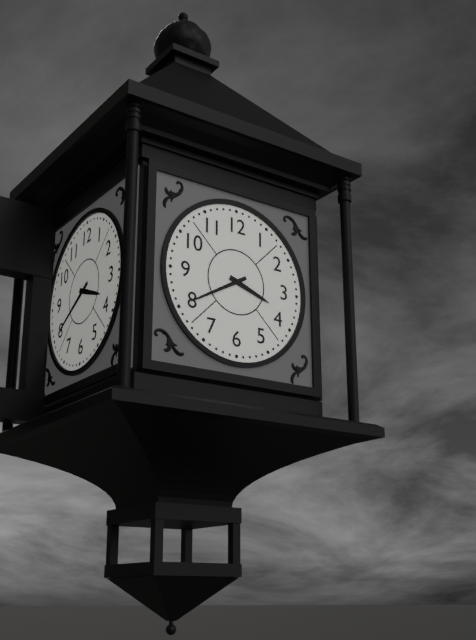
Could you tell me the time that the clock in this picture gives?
3:40
